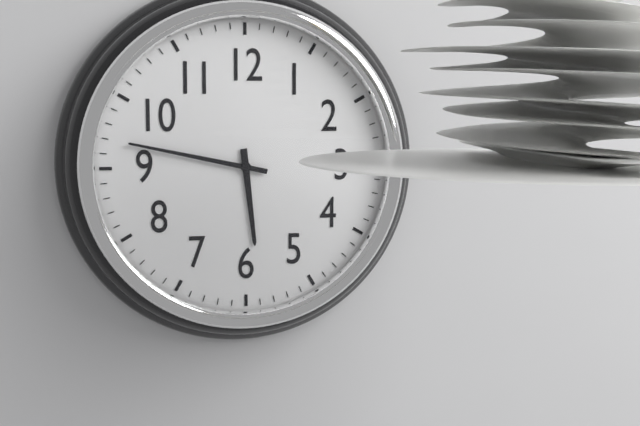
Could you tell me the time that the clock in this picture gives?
5:47
